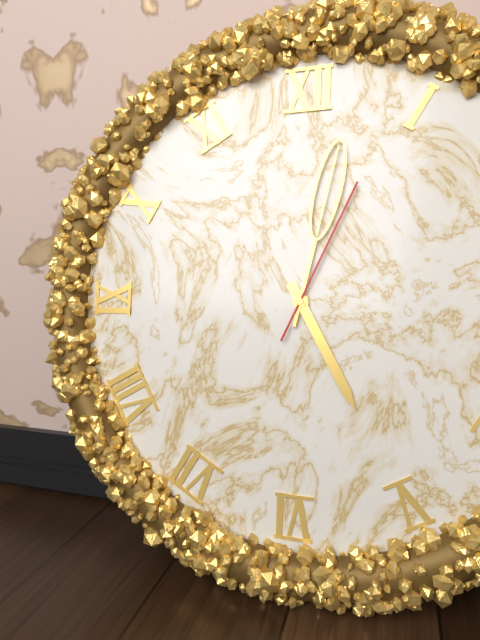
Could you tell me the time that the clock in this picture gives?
5:02:04
